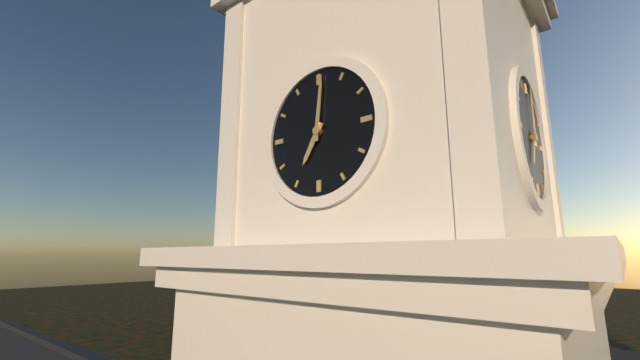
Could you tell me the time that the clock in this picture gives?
7:01
